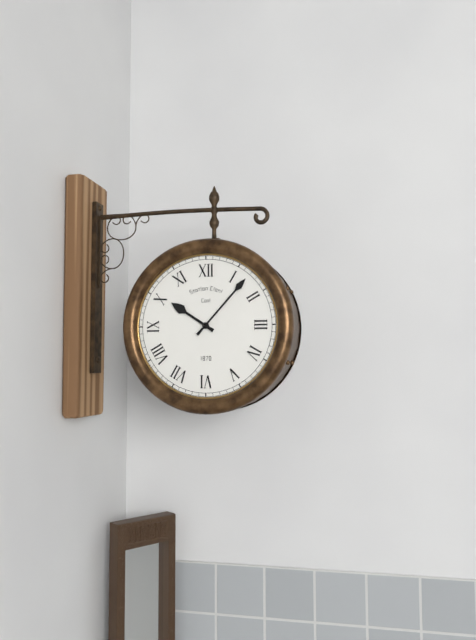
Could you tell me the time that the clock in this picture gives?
10:07
